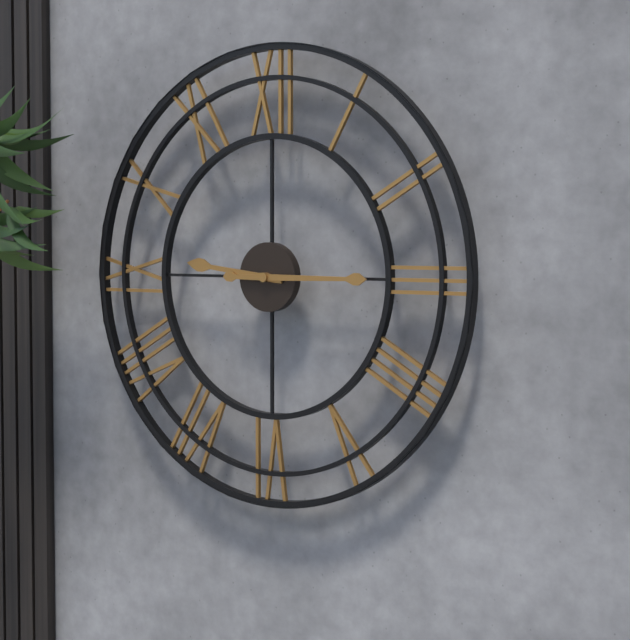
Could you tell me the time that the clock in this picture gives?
9:15
